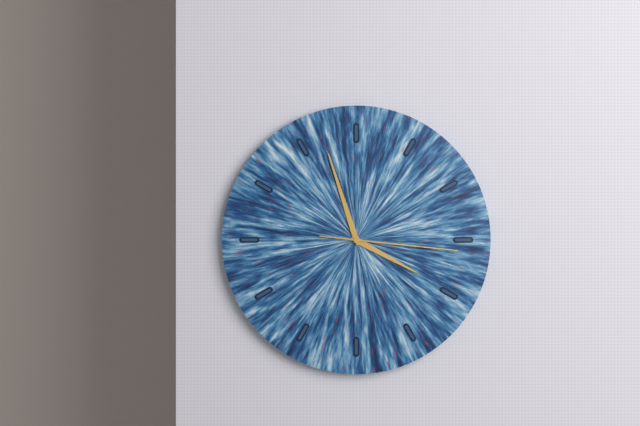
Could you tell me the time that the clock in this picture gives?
3:57:16
